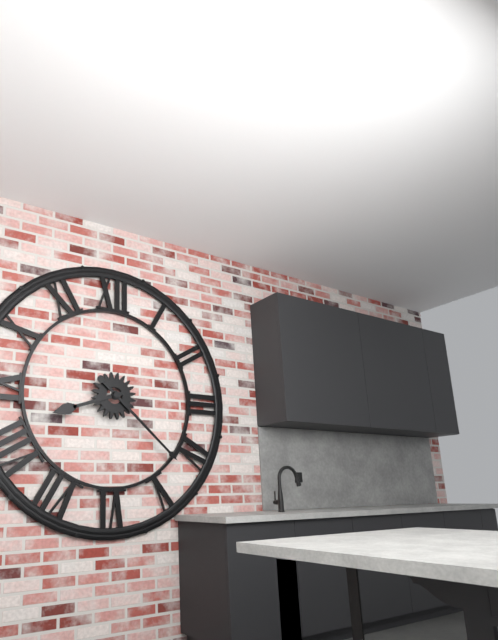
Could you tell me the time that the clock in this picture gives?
8:22
